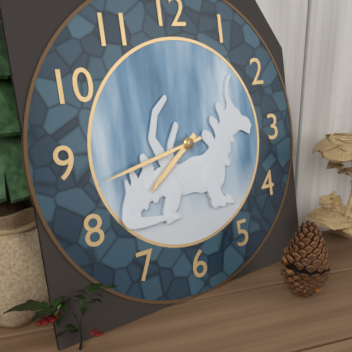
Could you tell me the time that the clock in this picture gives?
7:43
